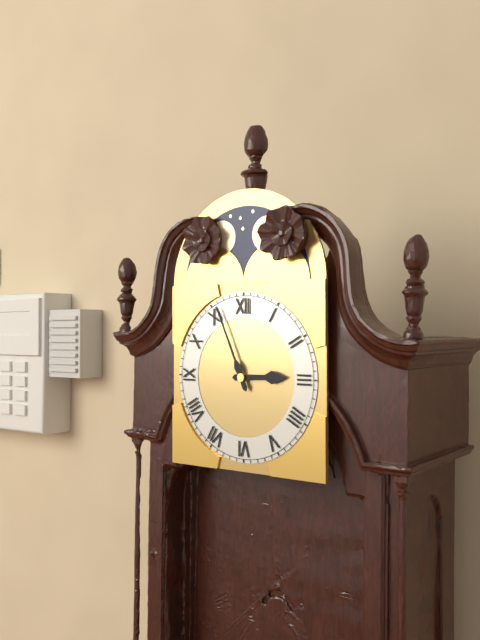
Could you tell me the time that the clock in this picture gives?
2:56
